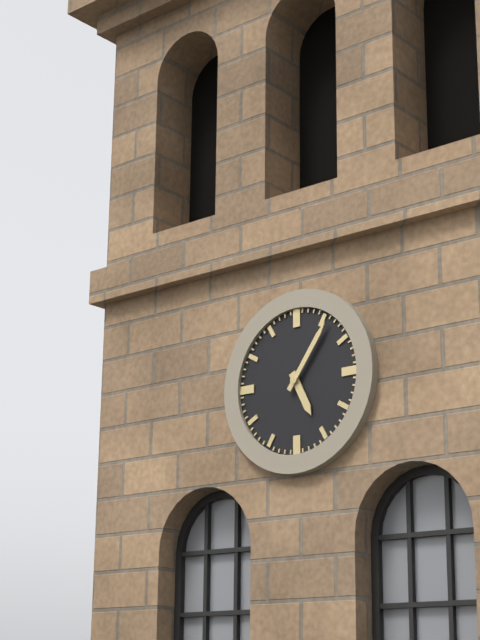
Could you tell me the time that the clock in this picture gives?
5:06
